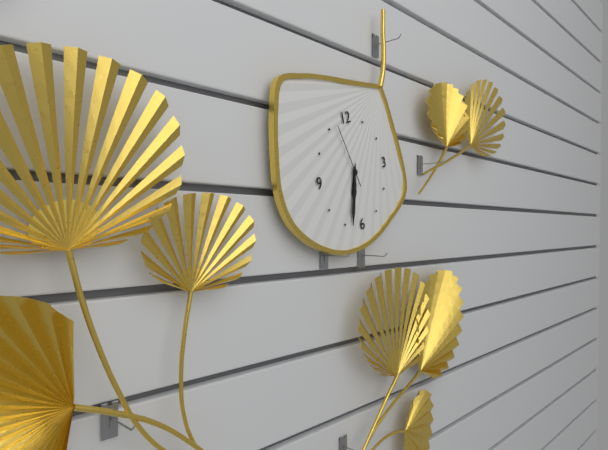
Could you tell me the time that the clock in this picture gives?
6:33:57
